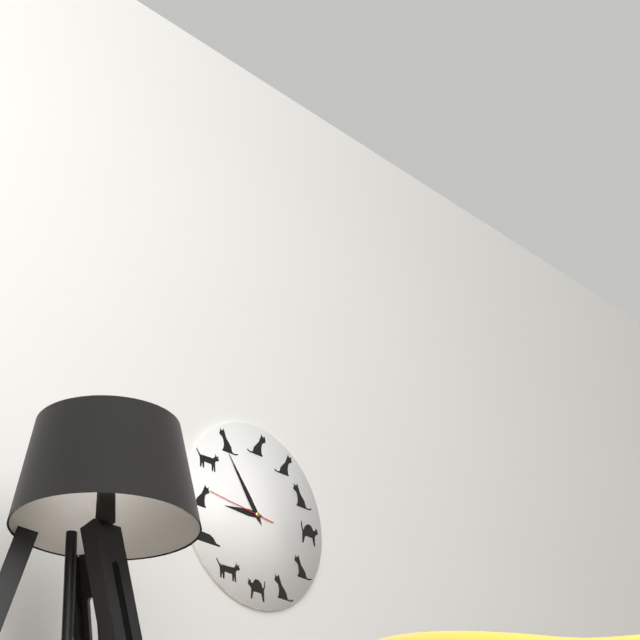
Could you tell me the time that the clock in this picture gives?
8:54:46
